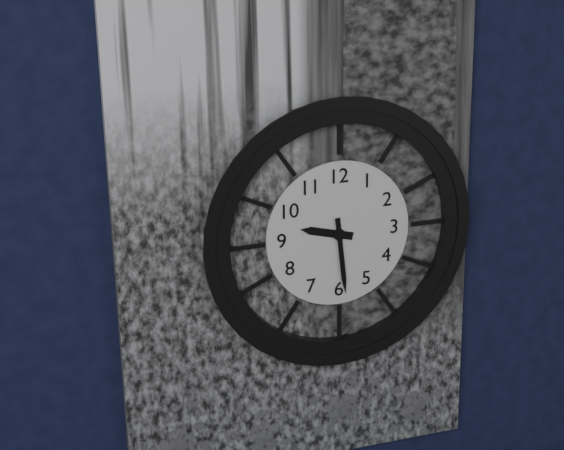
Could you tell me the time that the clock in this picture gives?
9:29
